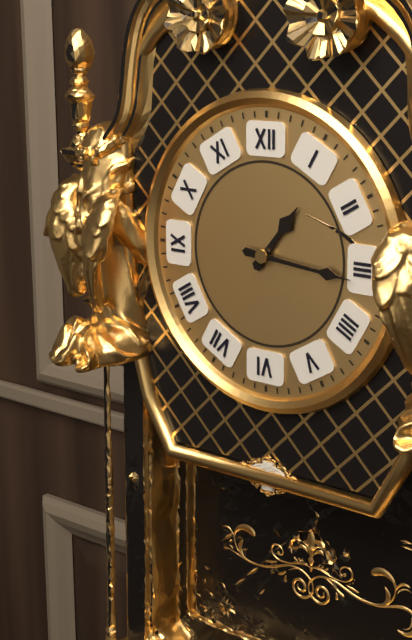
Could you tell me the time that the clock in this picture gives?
1:16
